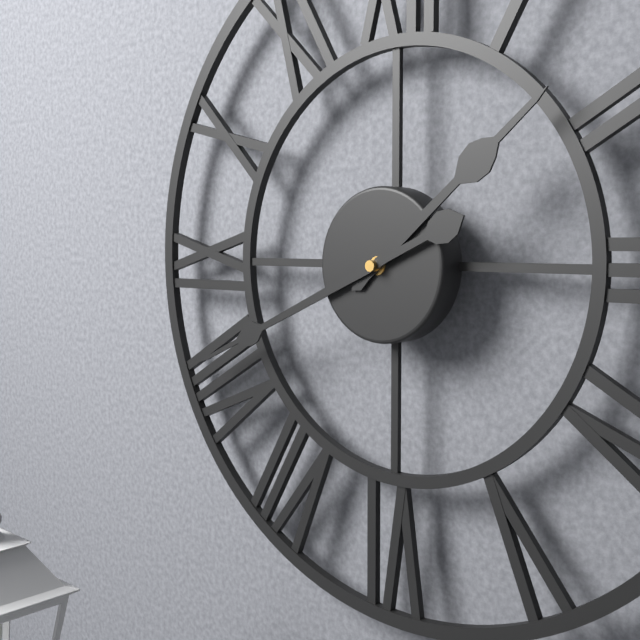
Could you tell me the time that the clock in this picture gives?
1:41
